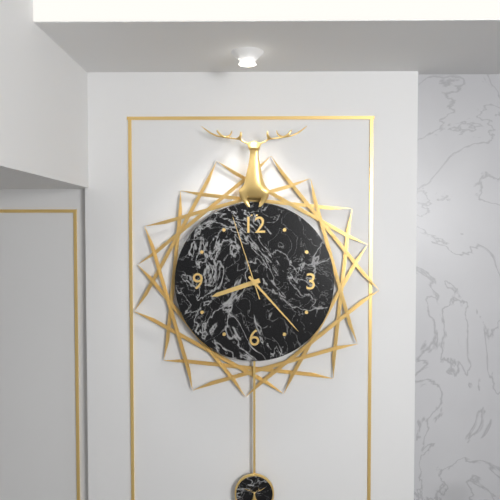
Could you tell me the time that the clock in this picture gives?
8:23:57
